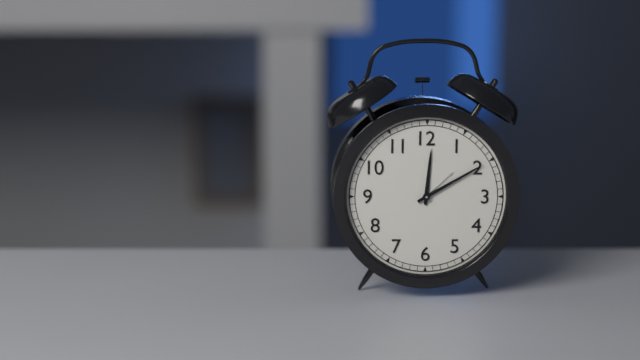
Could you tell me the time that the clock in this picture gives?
12:10
